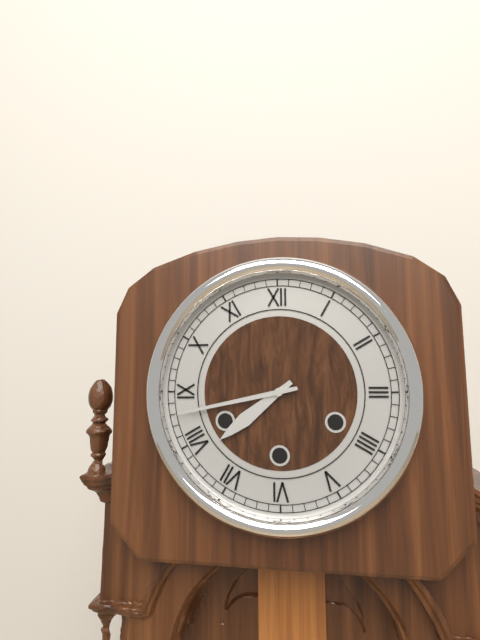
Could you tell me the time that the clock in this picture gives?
7:43
